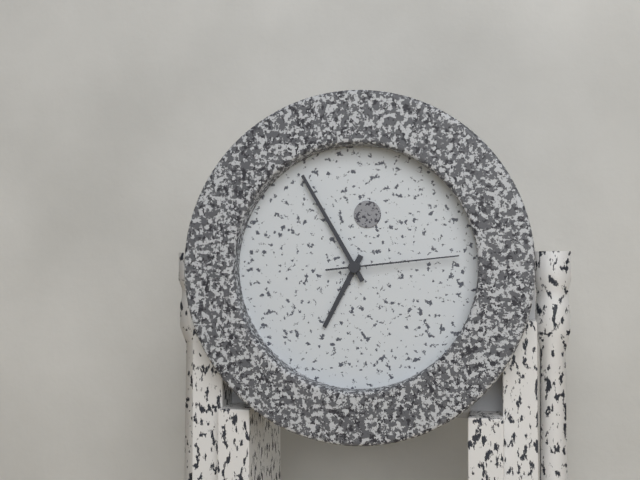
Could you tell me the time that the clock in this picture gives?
6:55:14
